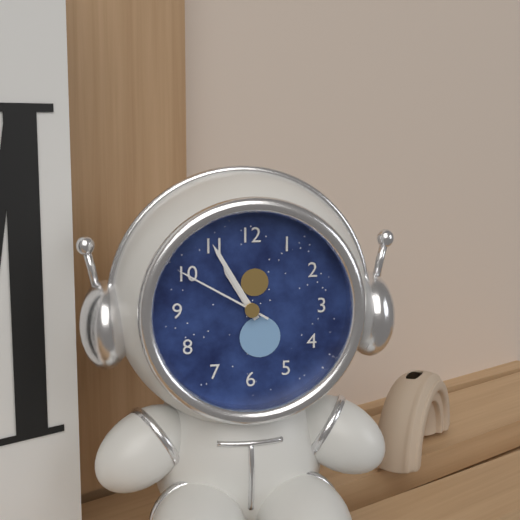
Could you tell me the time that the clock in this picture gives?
10:55:50
